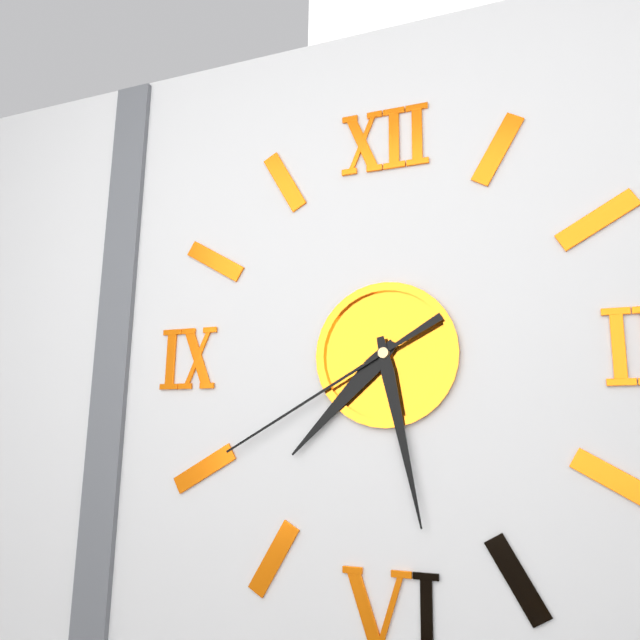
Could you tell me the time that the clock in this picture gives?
7:28:40
